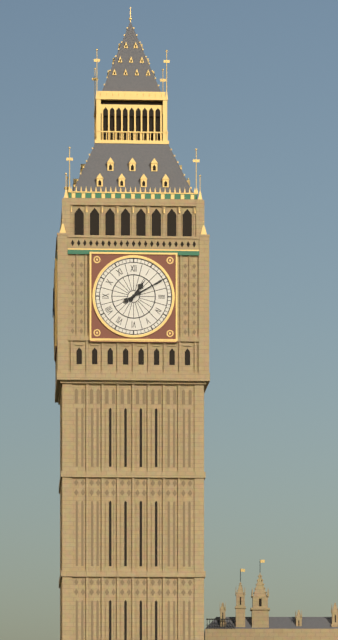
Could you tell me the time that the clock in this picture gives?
1:10
